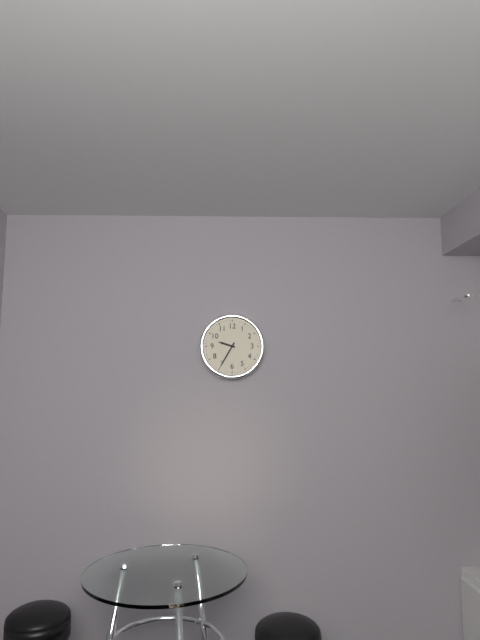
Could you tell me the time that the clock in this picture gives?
9:35
